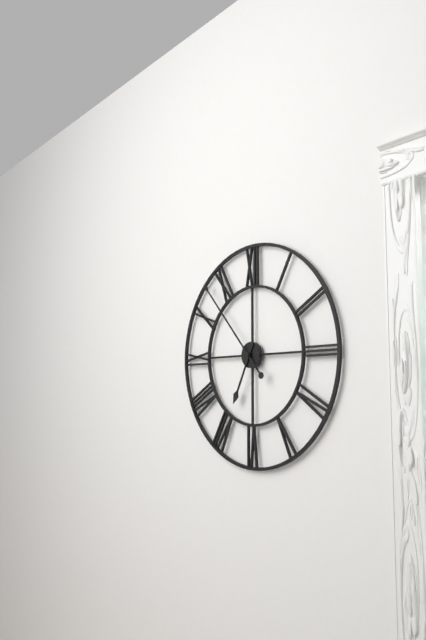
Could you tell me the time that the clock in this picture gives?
6:53
